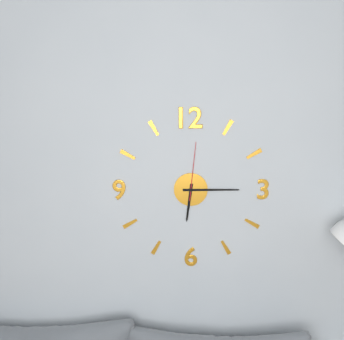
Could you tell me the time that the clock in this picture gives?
6:15:01
